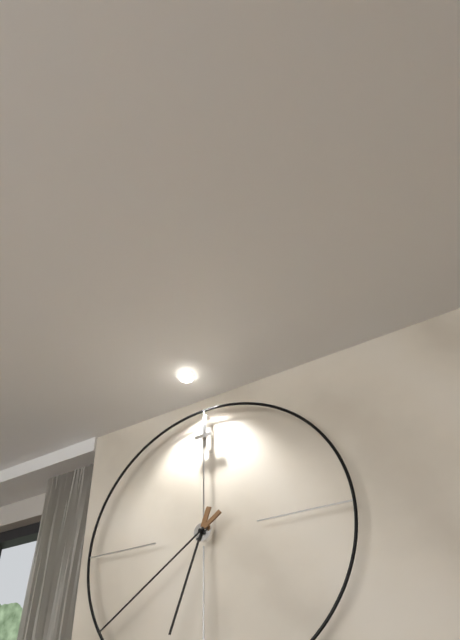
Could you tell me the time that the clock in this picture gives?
6:39
